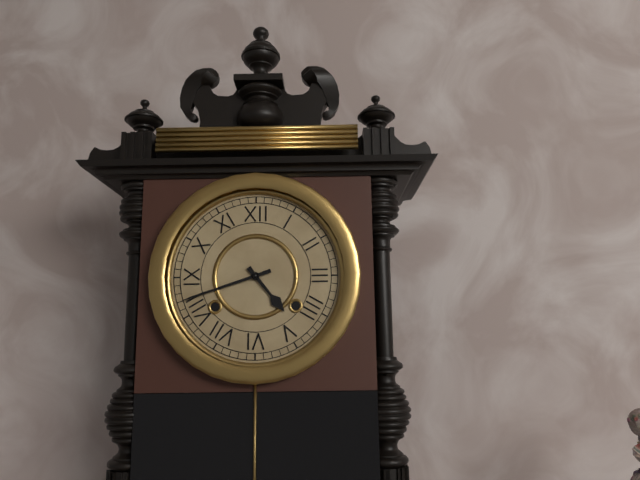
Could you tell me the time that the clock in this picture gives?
4:42
